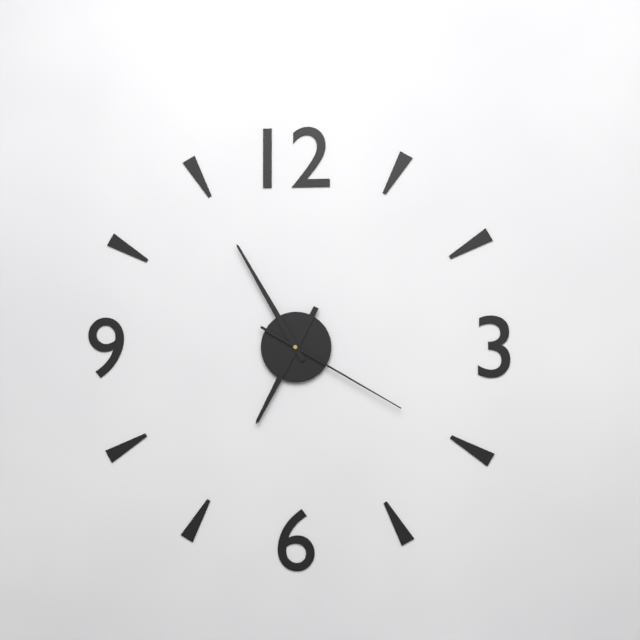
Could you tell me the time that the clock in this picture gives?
6:55:20
